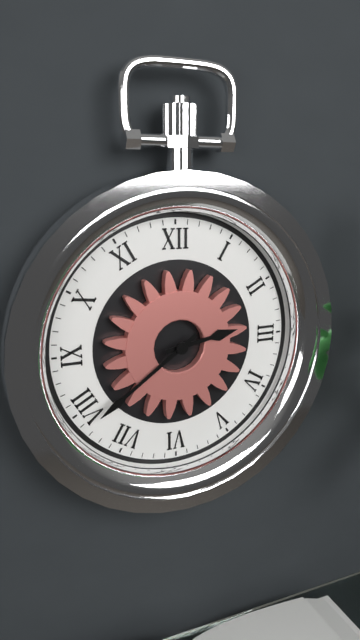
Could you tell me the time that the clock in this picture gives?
2:39
